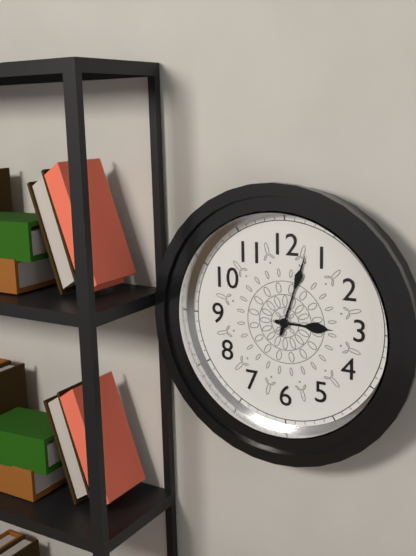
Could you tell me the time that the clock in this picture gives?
3:03
